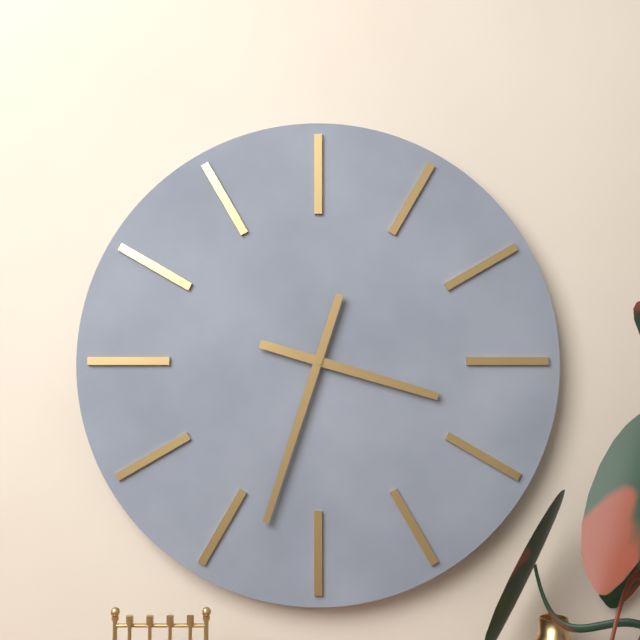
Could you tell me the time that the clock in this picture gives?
3:33
